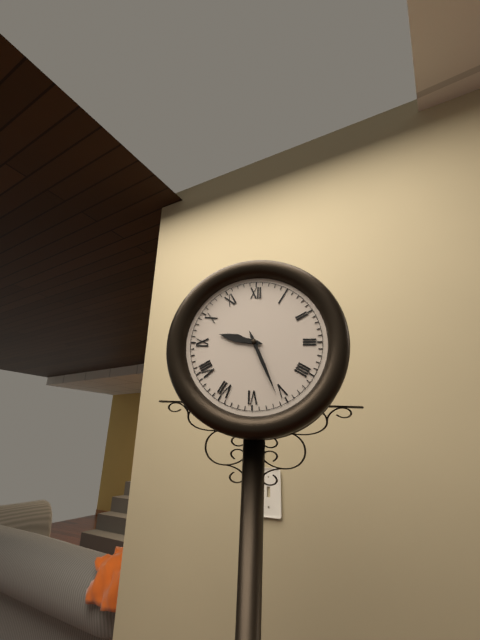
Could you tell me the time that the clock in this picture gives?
9:26
